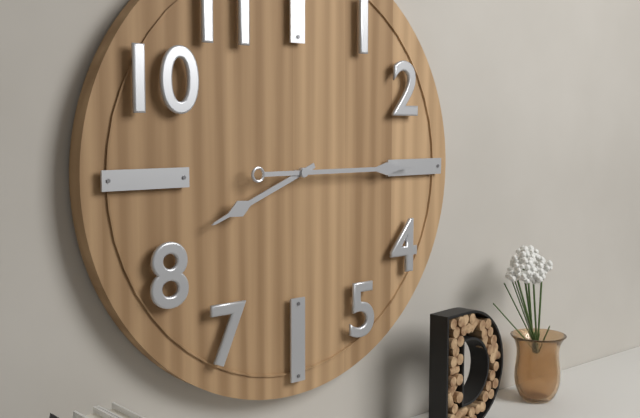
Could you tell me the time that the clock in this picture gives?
8:15
